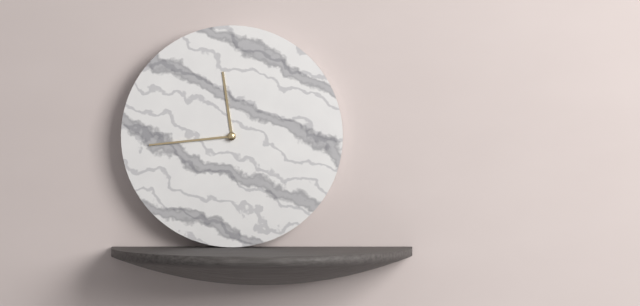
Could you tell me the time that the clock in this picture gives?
11:44
